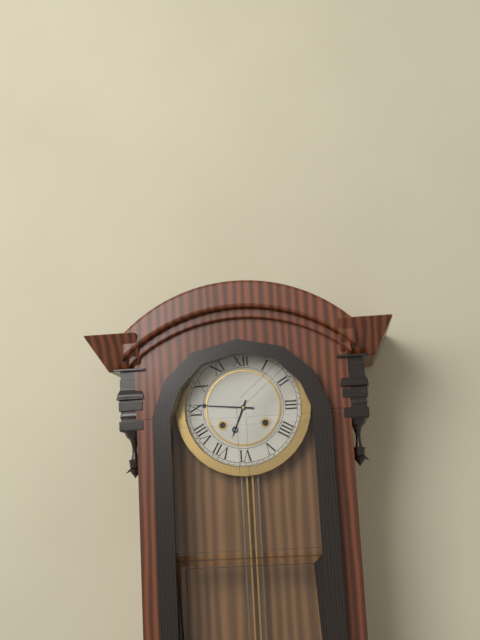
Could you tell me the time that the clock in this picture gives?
6:46
